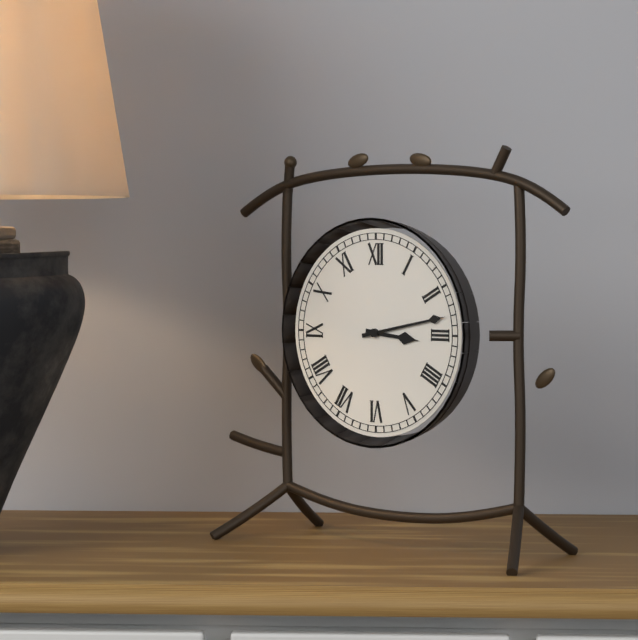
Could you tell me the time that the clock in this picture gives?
3:13
